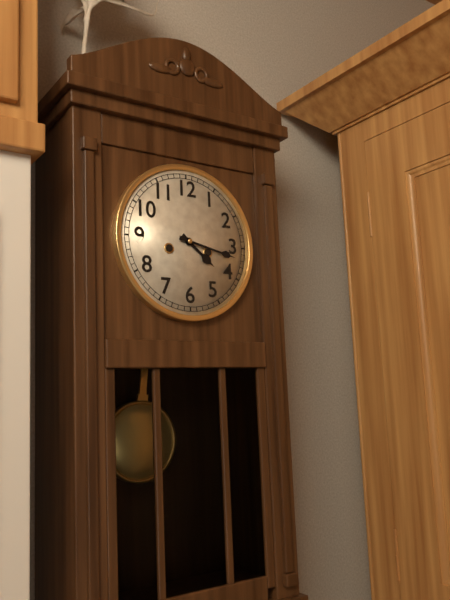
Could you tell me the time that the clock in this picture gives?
4:17
